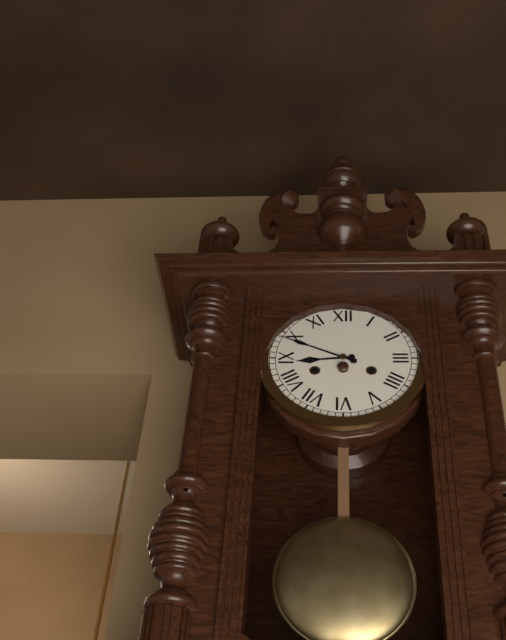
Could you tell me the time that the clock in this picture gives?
8:49
